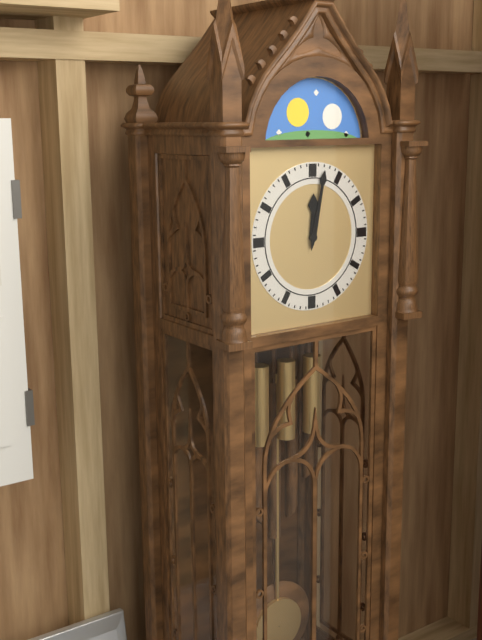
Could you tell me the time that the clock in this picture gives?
12:02
